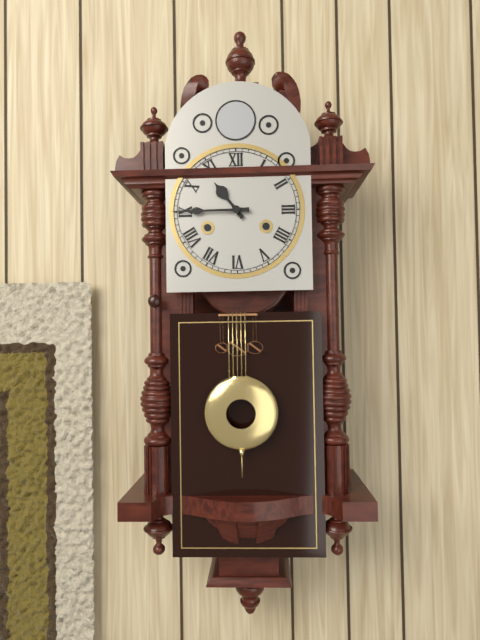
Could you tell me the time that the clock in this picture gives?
10:45
